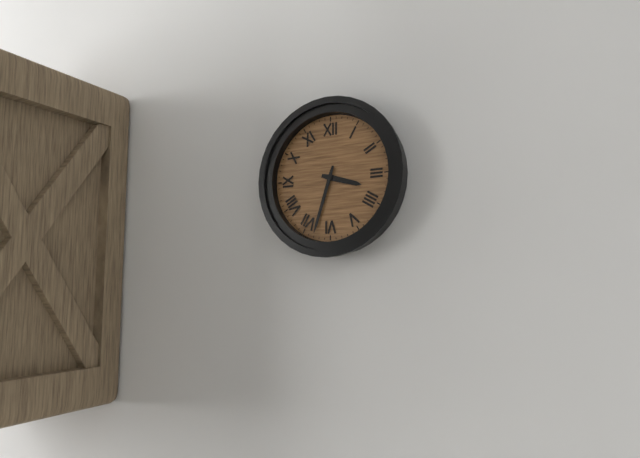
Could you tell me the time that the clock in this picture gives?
3:33
